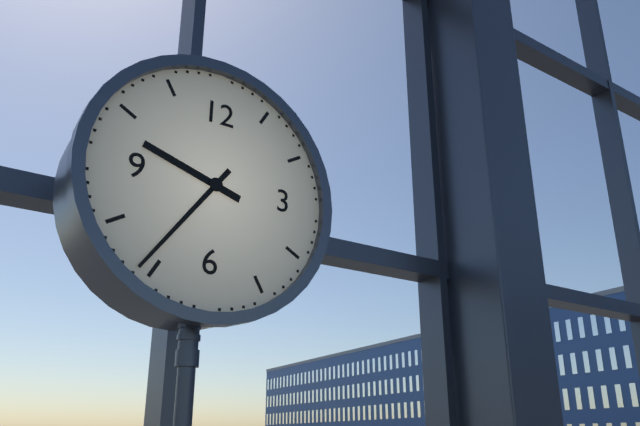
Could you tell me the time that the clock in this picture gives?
9:36
